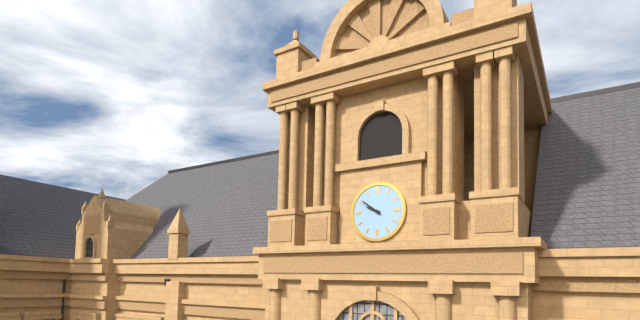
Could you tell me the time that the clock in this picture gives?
9:51
